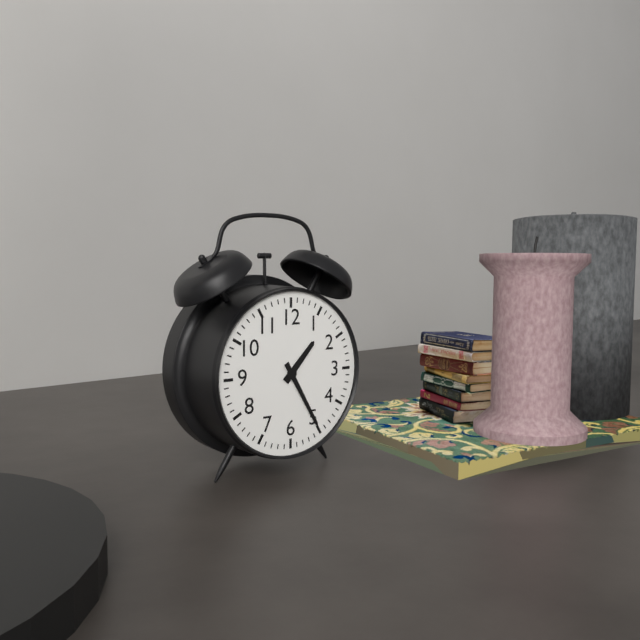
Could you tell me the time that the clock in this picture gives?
1:25
